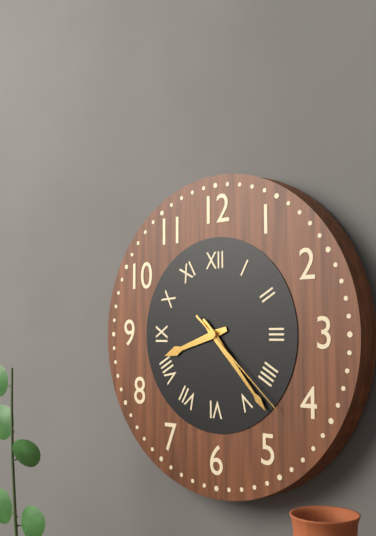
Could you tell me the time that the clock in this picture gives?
8:23:22
